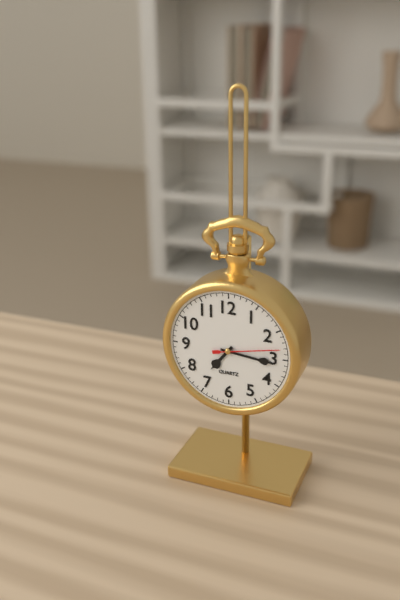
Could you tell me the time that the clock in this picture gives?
7:16:13
